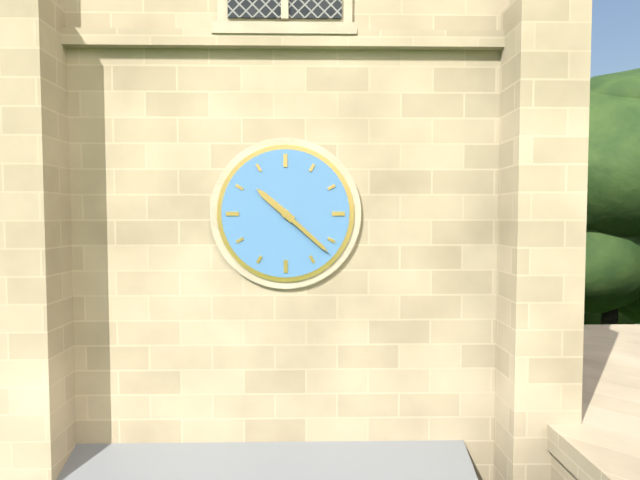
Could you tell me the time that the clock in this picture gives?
10:22
